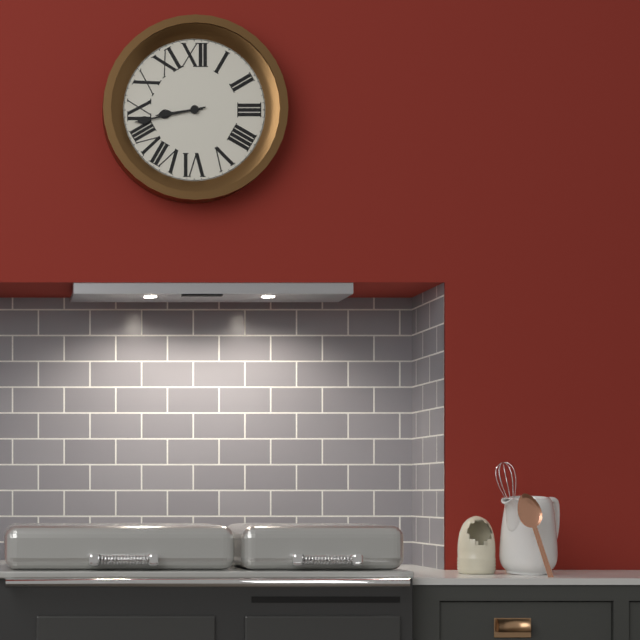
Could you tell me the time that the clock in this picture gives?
8:43
